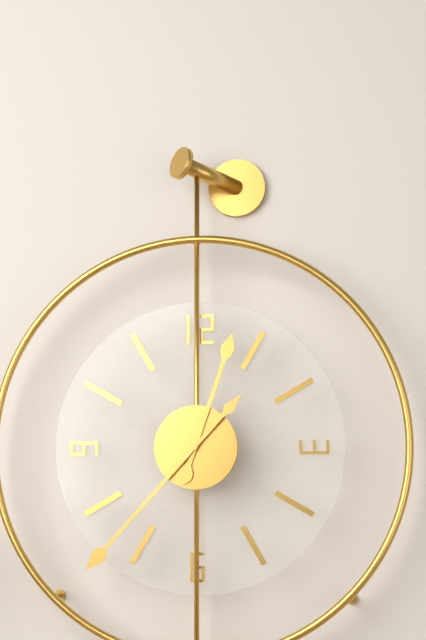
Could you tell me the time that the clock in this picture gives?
12:37
